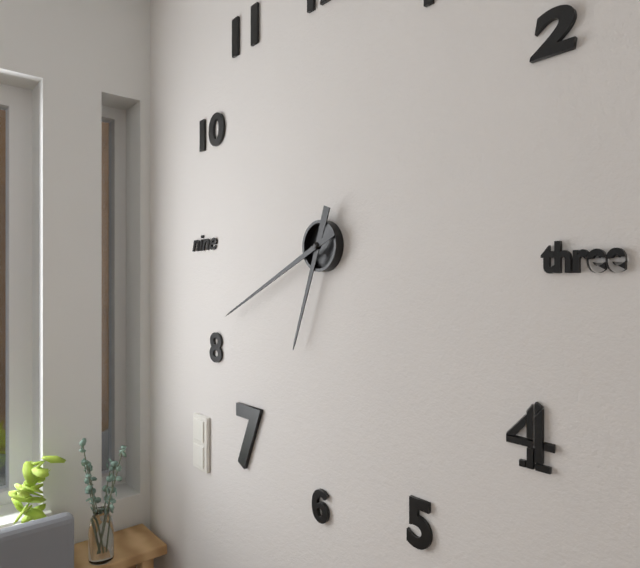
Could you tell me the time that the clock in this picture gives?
6:41
